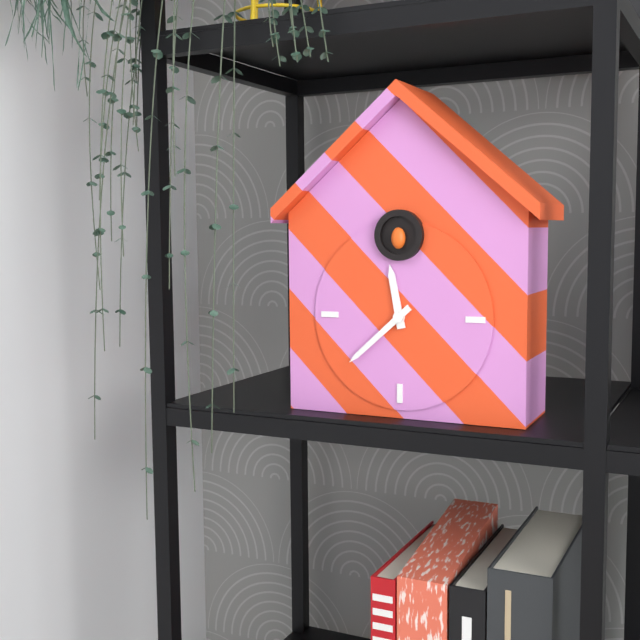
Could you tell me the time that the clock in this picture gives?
11:38
